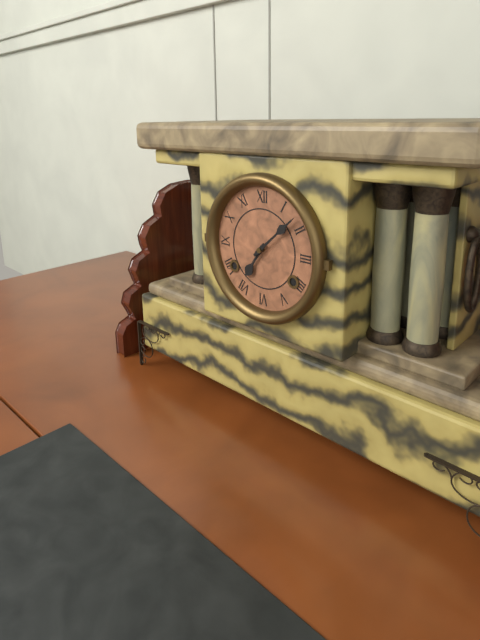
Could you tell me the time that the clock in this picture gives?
7:08
